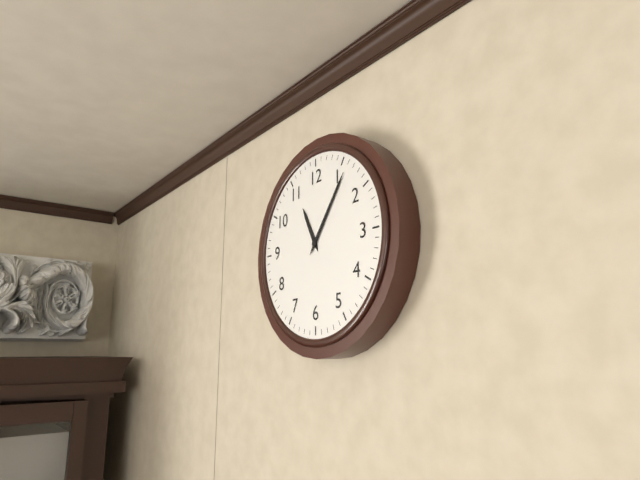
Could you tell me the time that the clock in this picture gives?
11:06
